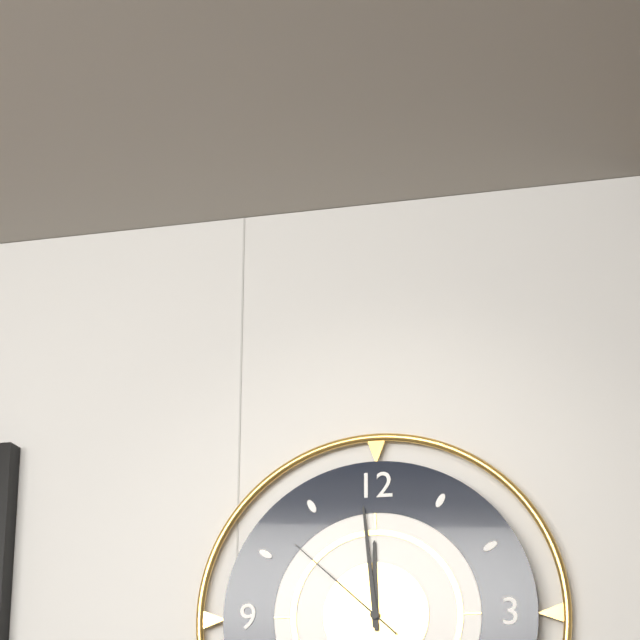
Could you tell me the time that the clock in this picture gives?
11:59:52
